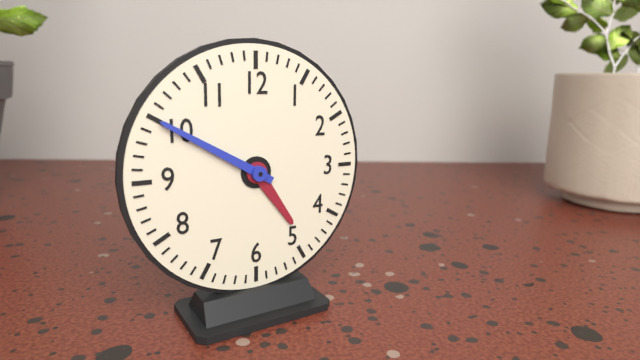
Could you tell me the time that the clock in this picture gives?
4:50
